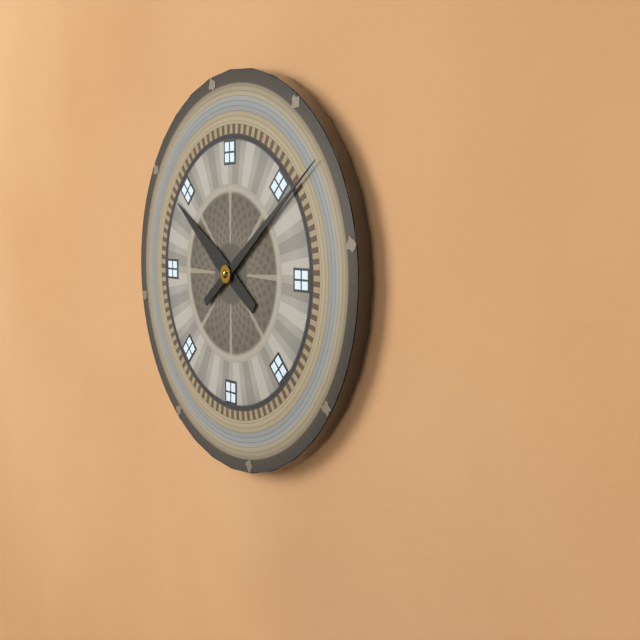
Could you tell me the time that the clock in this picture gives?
10:09
